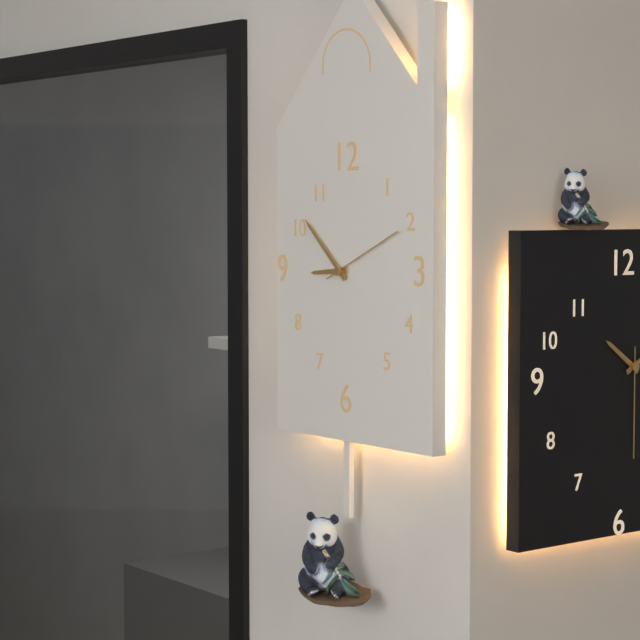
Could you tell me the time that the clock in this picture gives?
8:52:11
